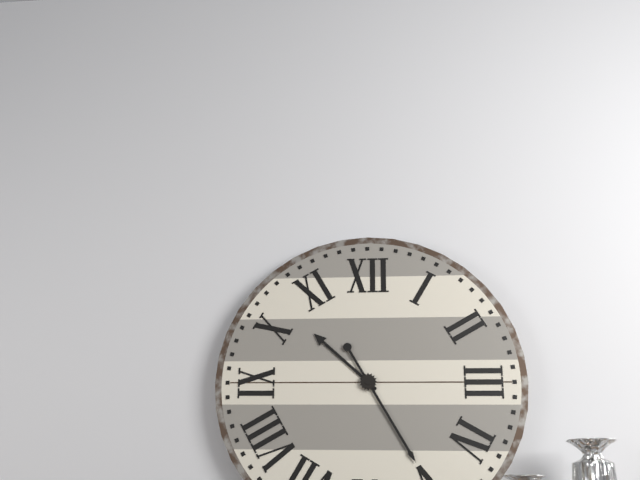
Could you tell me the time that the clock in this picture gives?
10:25
